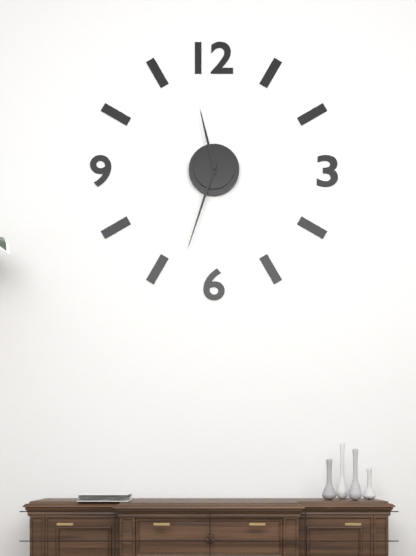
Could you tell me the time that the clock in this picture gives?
11:33
